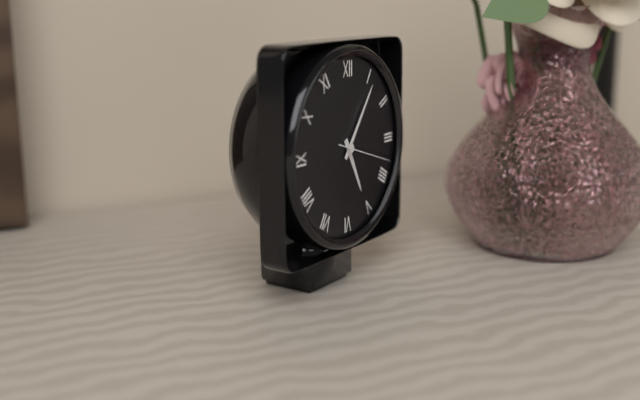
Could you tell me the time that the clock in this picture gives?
5:06:18
